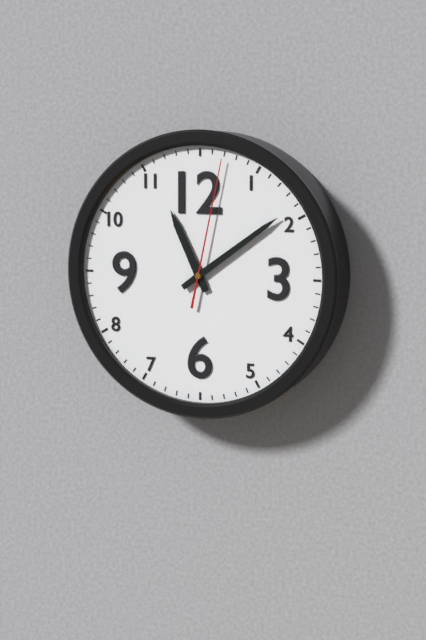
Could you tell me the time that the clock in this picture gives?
11:09:02
